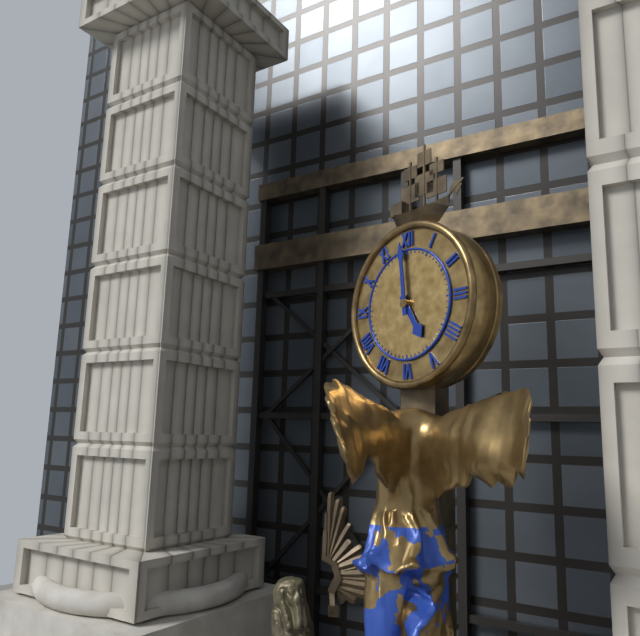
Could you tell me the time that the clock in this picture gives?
4:59
